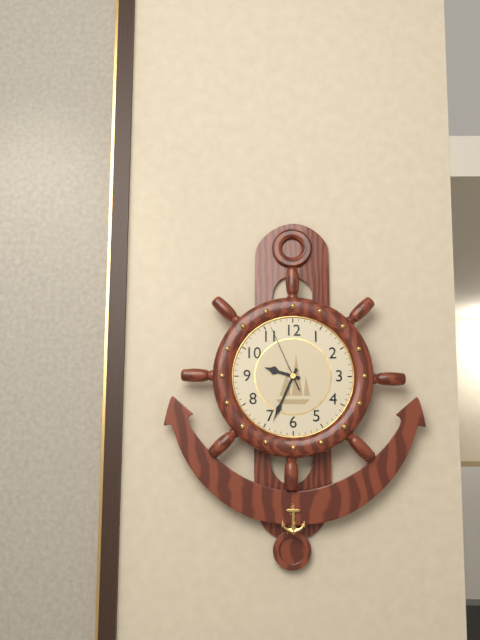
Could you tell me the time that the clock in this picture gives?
9:34:56
